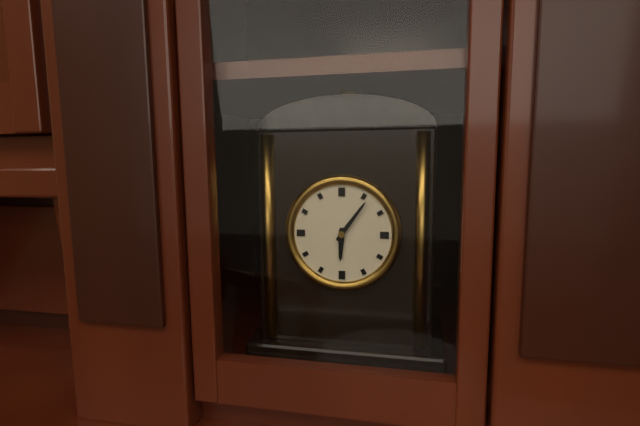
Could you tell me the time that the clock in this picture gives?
6:06
